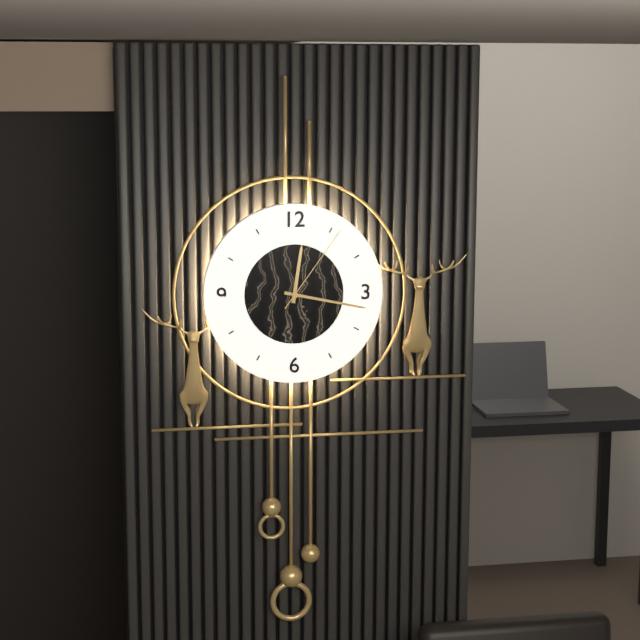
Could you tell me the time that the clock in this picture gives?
12:17:06
